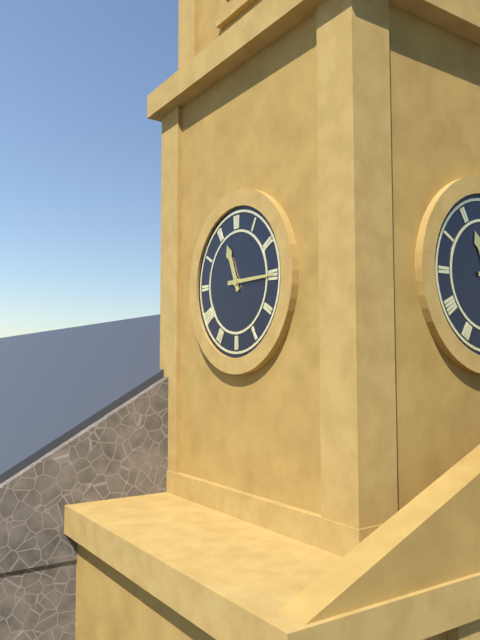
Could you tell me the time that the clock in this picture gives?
11:15
